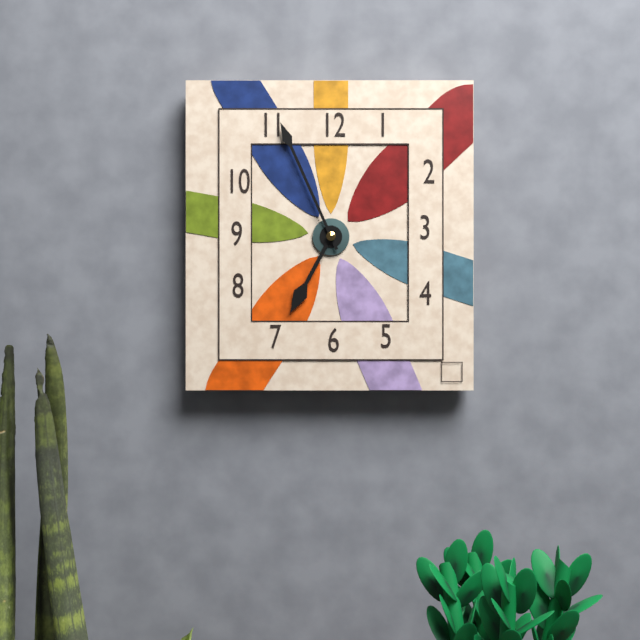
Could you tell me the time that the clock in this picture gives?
6:56
